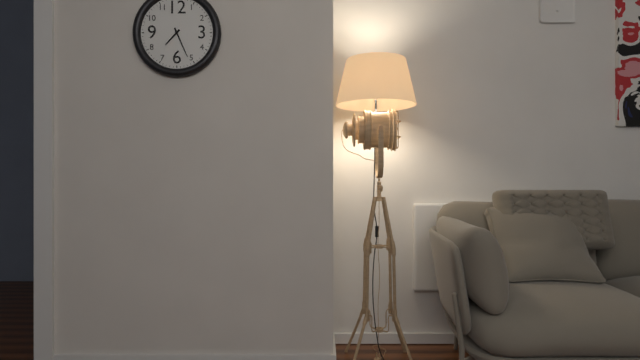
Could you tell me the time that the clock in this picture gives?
7:26
